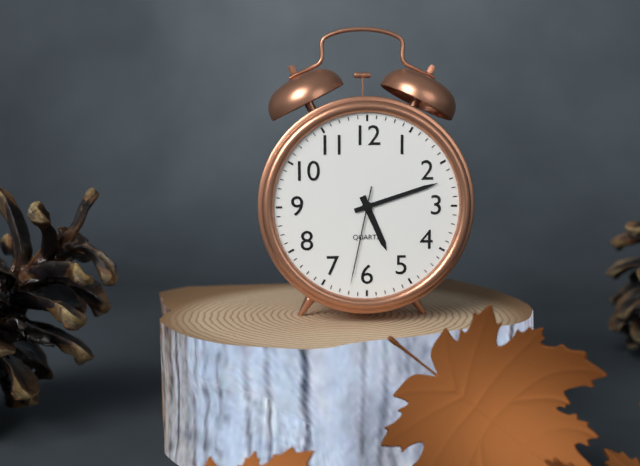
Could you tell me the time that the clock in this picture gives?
5:12:32
